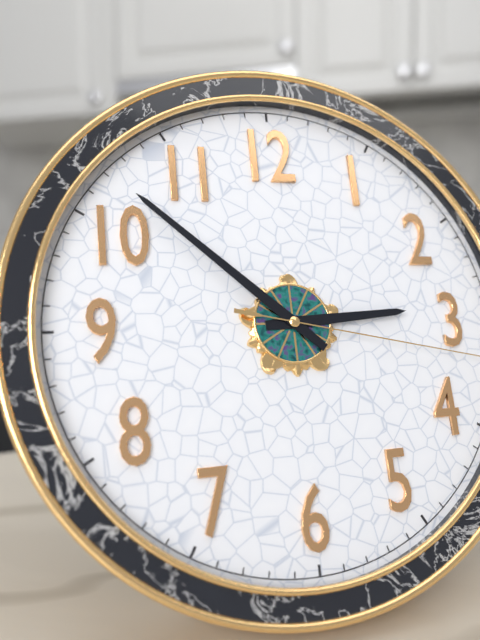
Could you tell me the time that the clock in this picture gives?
2:52
